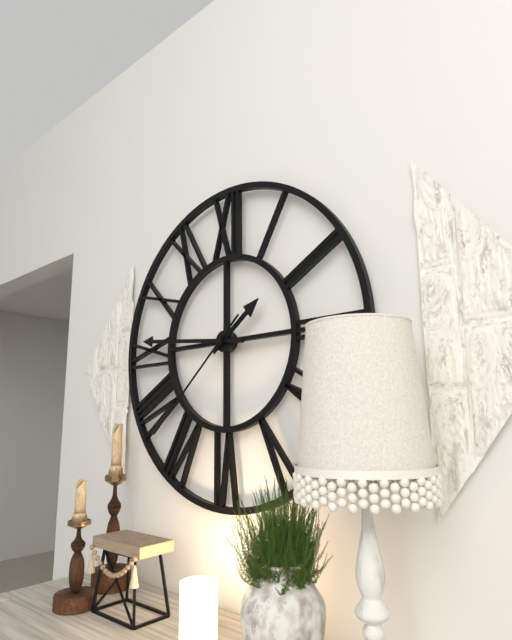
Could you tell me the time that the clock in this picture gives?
1:46:38
